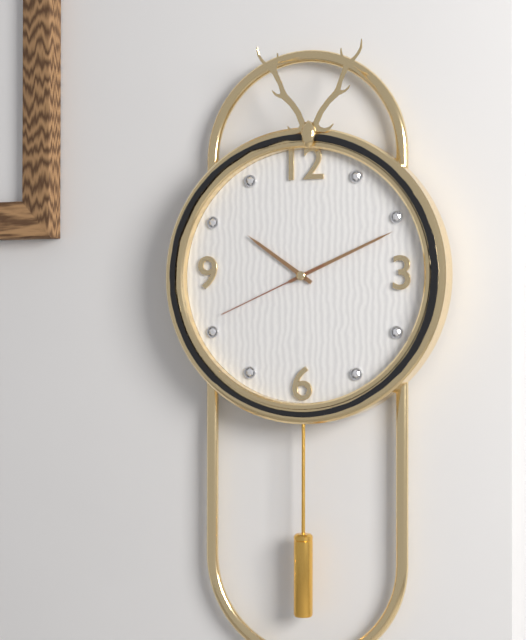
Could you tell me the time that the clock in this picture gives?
10:11:41
